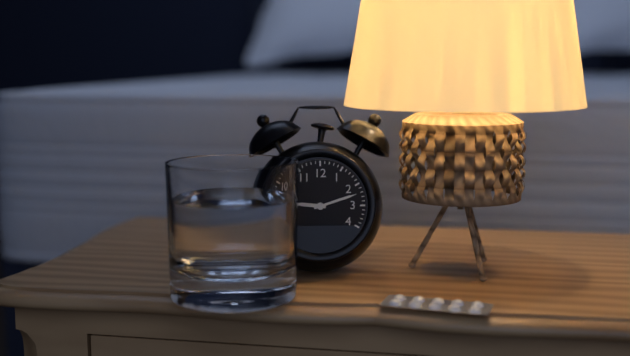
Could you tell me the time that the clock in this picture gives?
9:12
